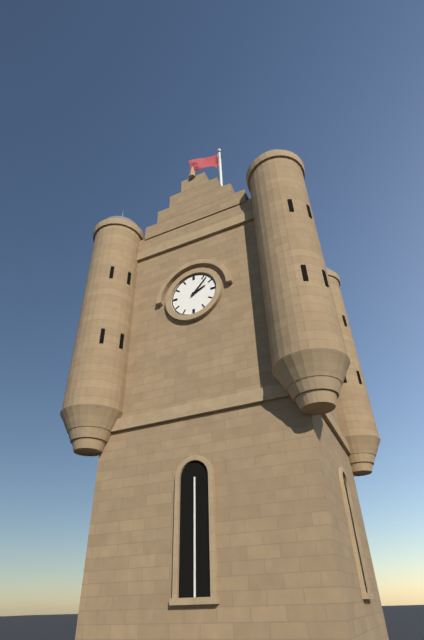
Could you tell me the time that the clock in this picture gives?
2:07
